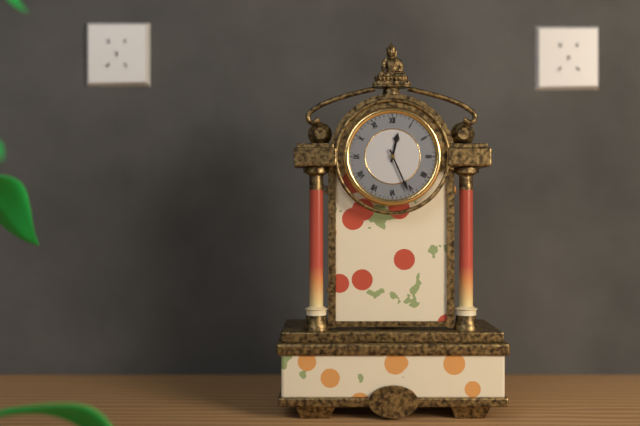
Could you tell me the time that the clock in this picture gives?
12:26
